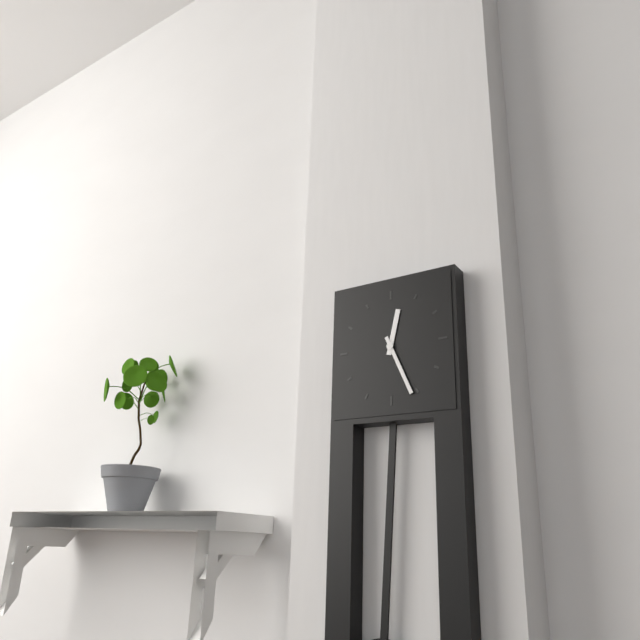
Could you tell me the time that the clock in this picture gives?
12:26
